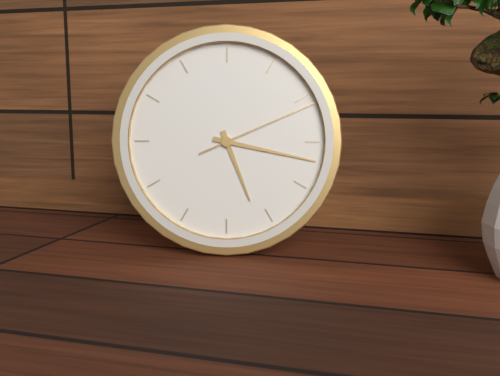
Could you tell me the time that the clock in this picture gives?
5:17:11
